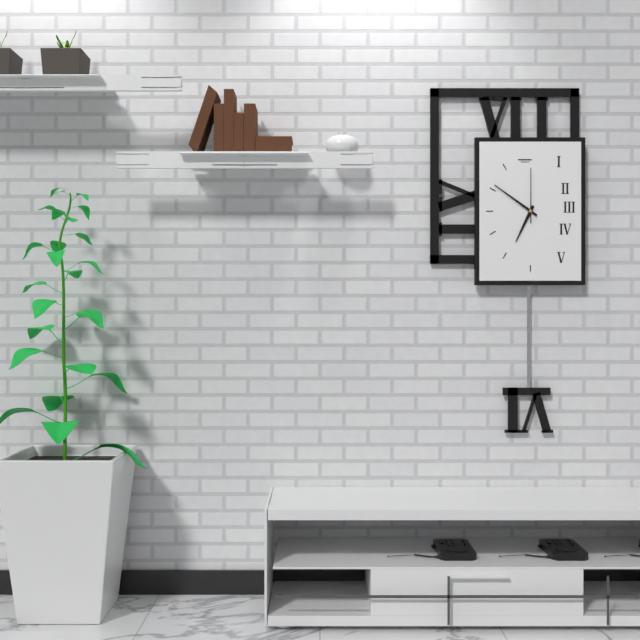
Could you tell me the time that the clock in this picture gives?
6:51:00
